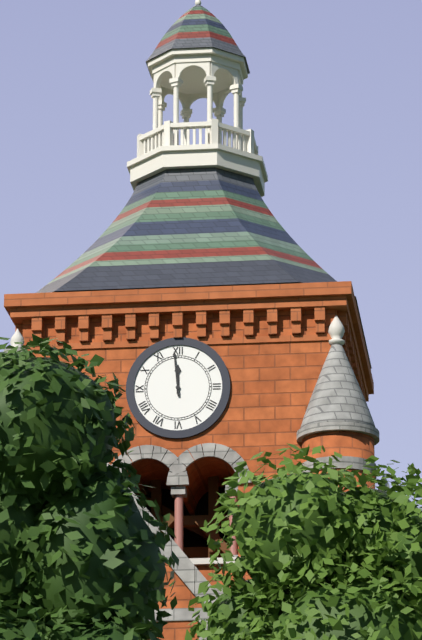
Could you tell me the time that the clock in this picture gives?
11:59
